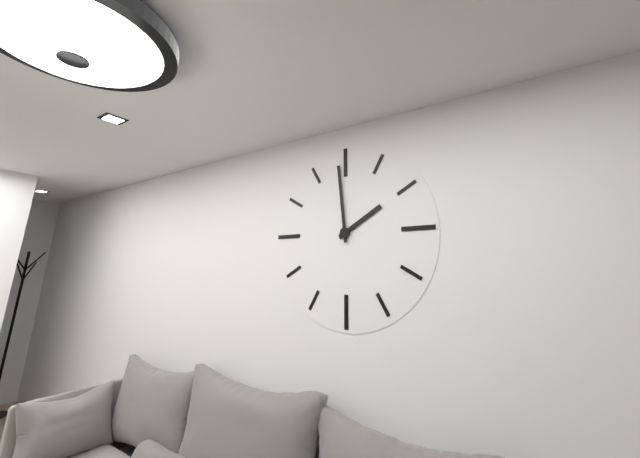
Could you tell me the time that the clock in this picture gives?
1:59
